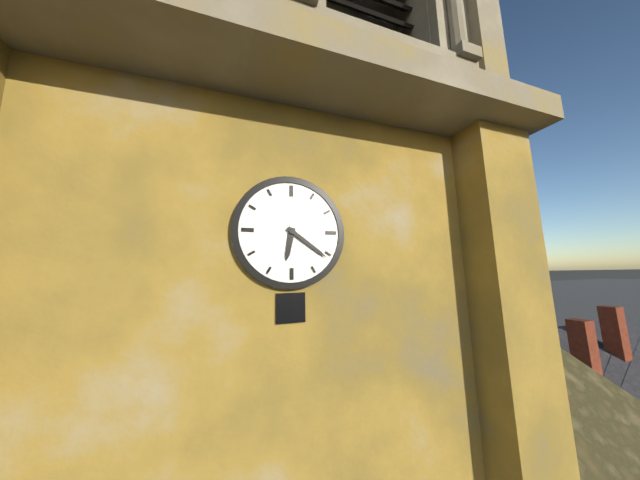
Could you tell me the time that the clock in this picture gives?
6:21
